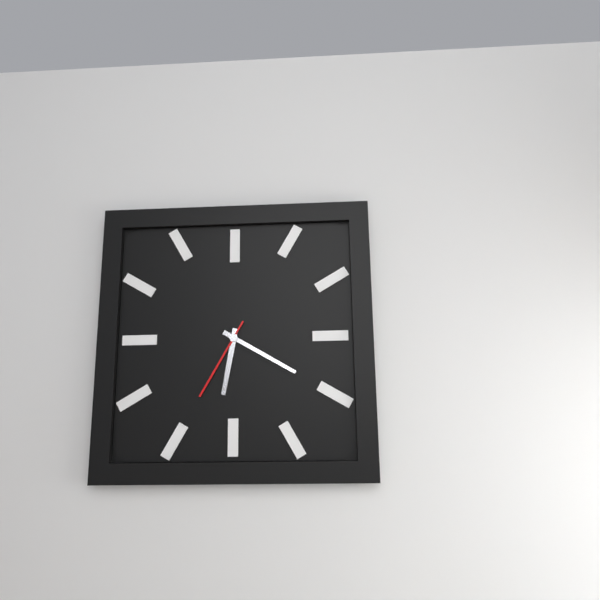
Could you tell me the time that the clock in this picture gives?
6:20:35
